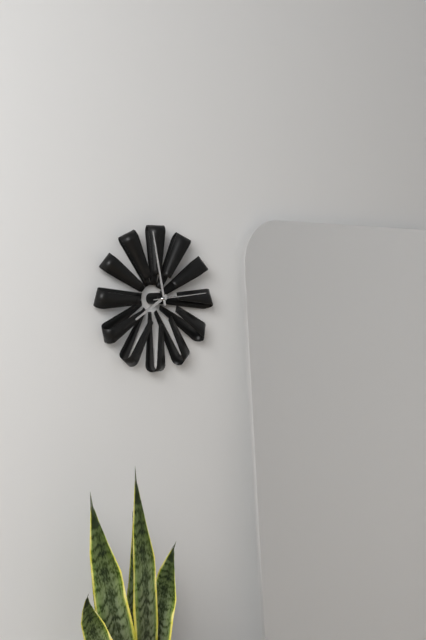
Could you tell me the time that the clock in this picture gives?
7:58:14
